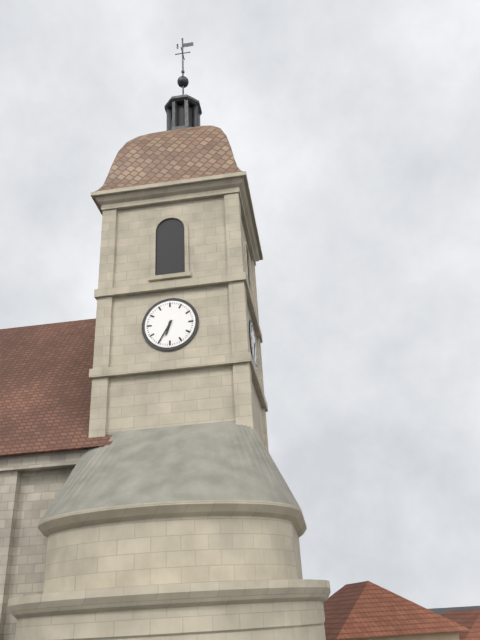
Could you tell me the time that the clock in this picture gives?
6:35
